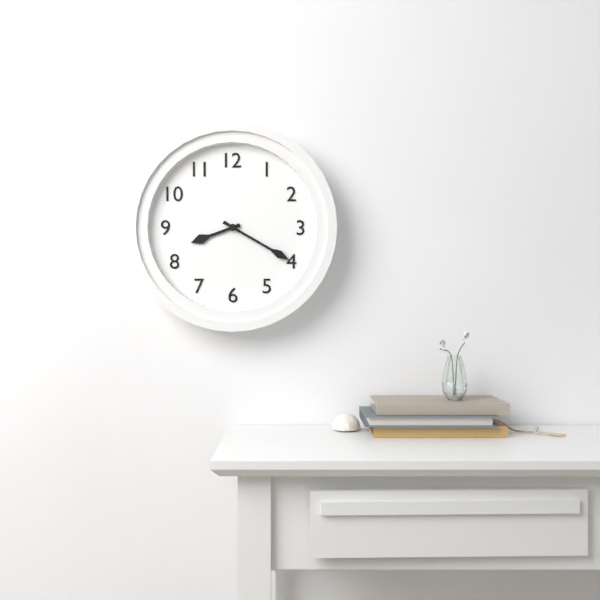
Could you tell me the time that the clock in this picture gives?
8:20
